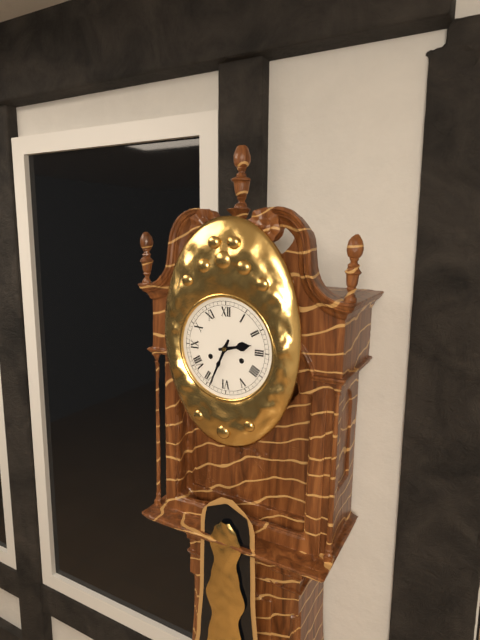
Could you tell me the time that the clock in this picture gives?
2:34
